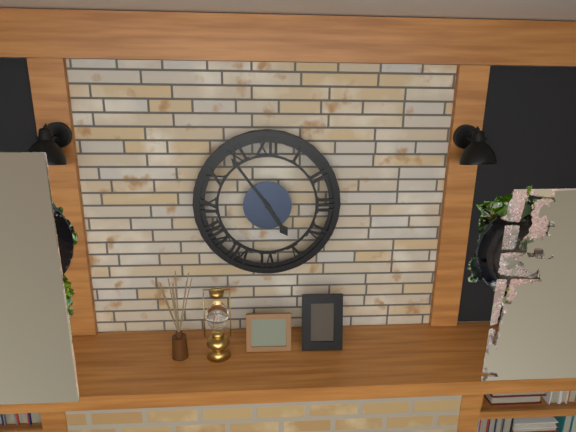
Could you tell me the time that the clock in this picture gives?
4:54
